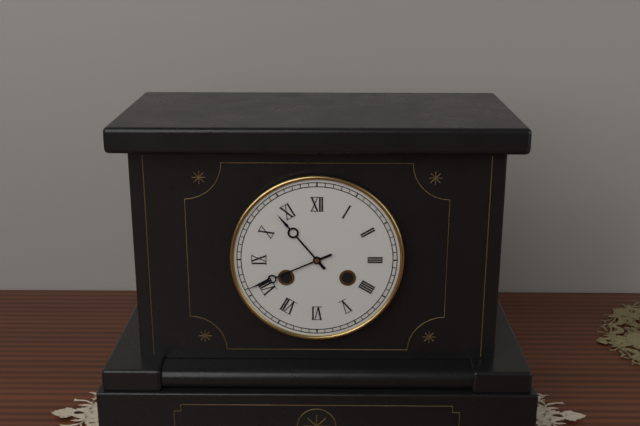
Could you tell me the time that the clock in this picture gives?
10:41
